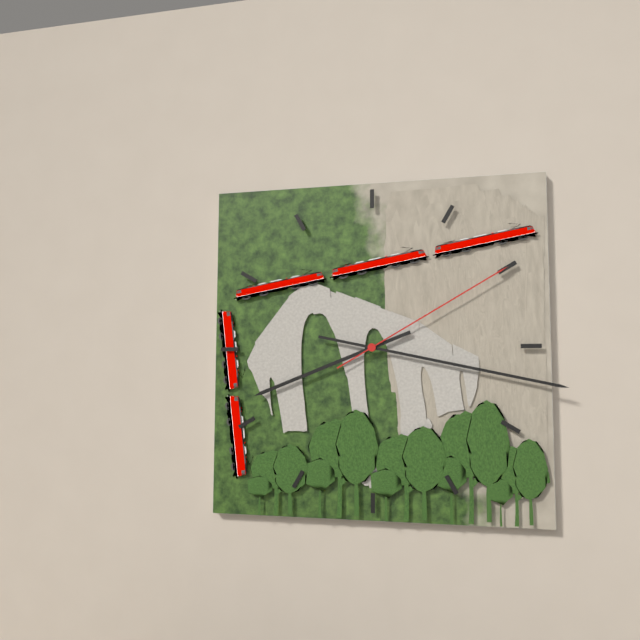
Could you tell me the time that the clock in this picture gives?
8:17:10
